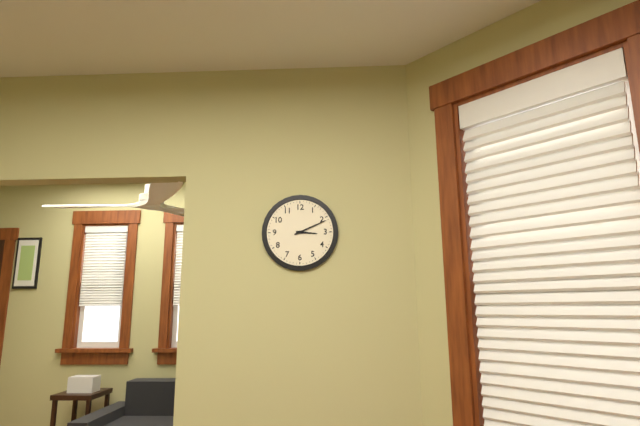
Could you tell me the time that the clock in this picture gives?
3:11
